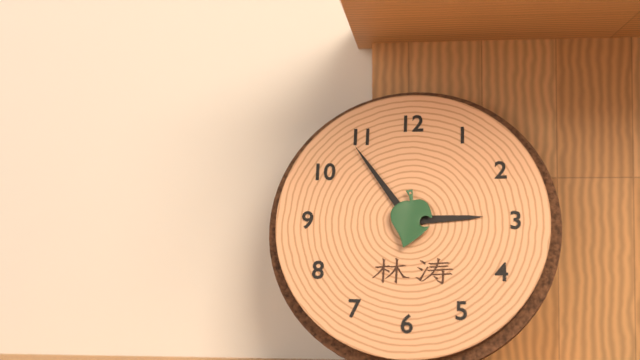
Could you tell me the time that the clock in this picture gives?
2:54
